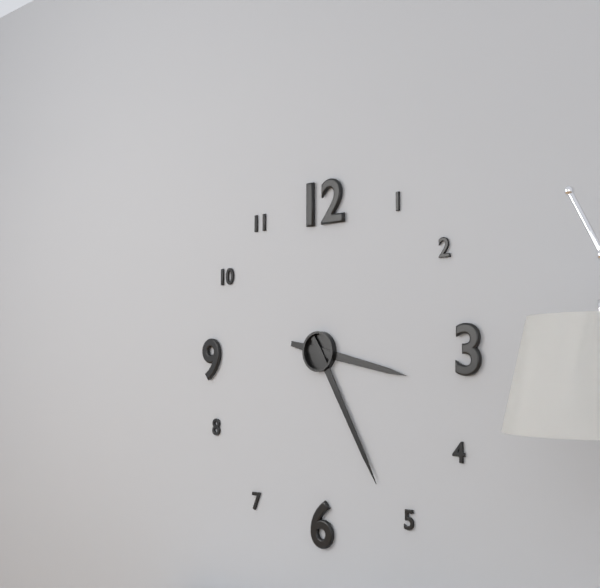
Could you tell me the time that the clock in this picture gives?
3:25
